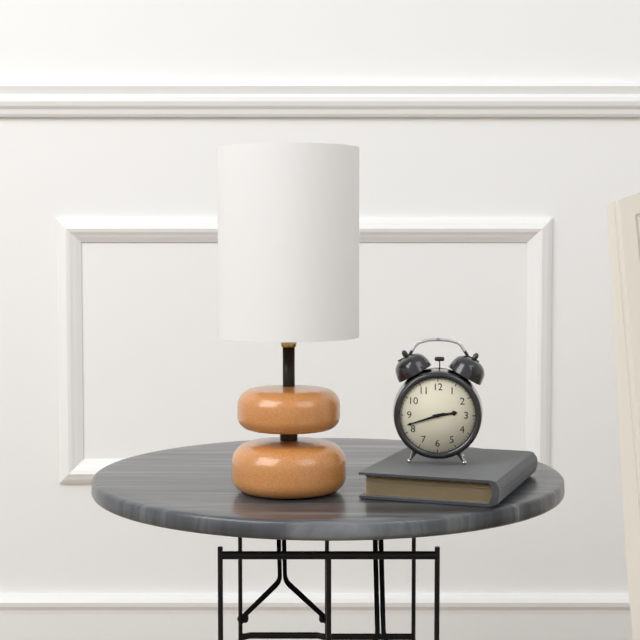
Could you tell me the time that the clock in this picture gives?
2:42
